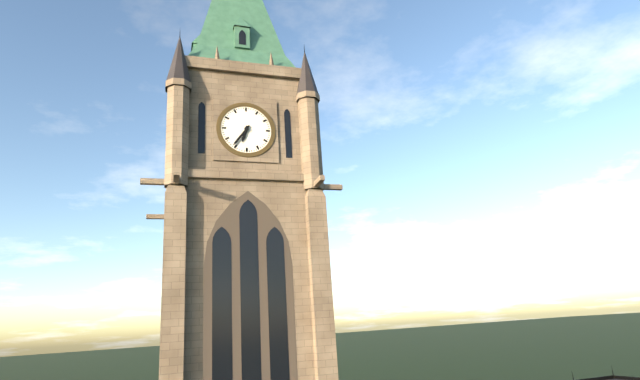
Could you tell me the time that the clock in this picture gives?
6:36
